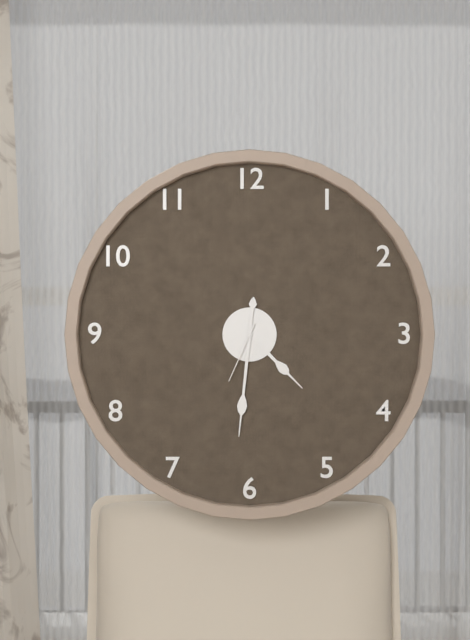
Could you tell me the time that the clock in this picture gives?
4:31:34
